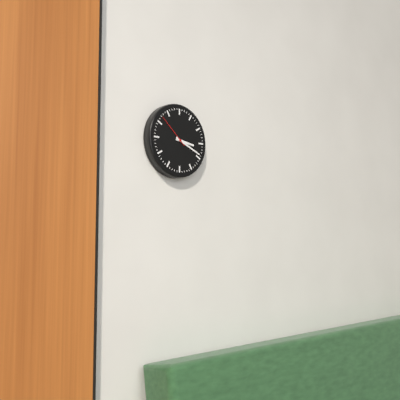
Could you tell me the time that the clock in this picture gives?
3:19
